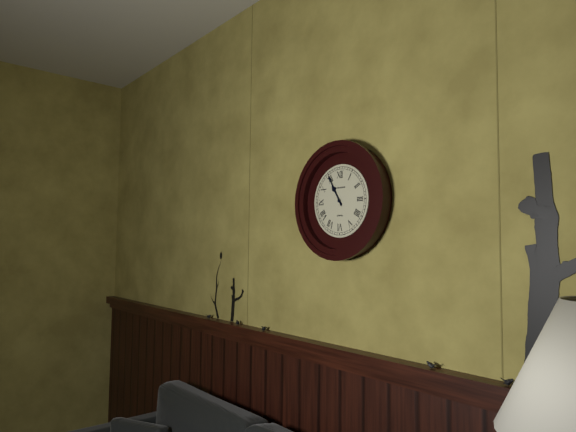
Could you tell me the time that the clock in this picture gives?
10:55
